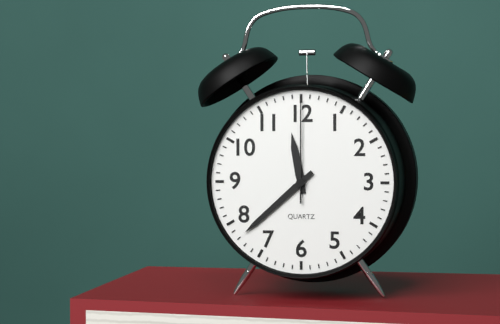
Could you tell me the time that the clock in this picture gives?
11:38:00
